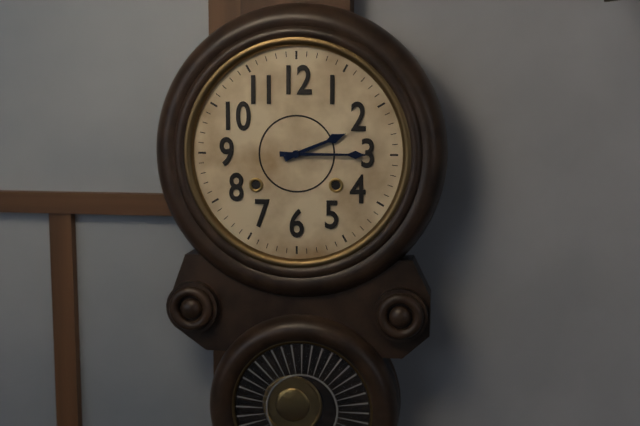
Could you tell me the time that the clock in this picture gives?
2:15
